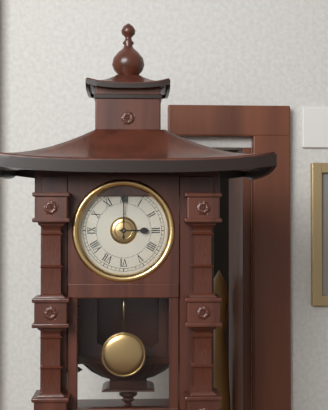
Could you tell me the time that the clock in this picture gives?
3:00
